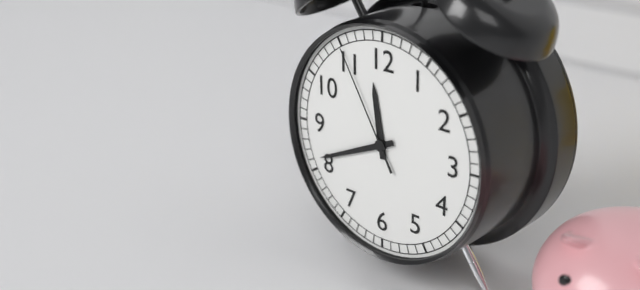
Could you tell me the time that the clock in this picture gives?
11:41:55
